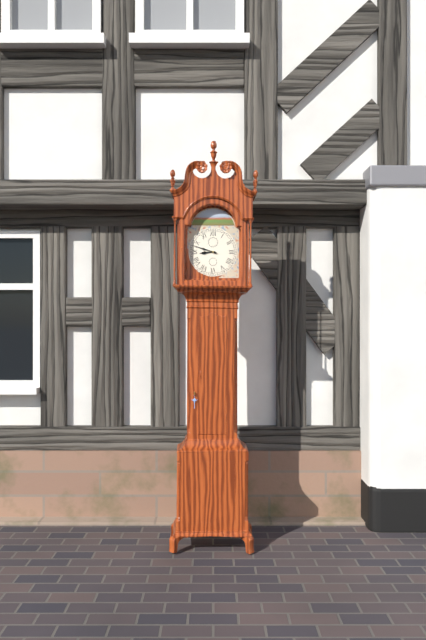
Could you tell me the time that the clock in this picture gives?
8:48
